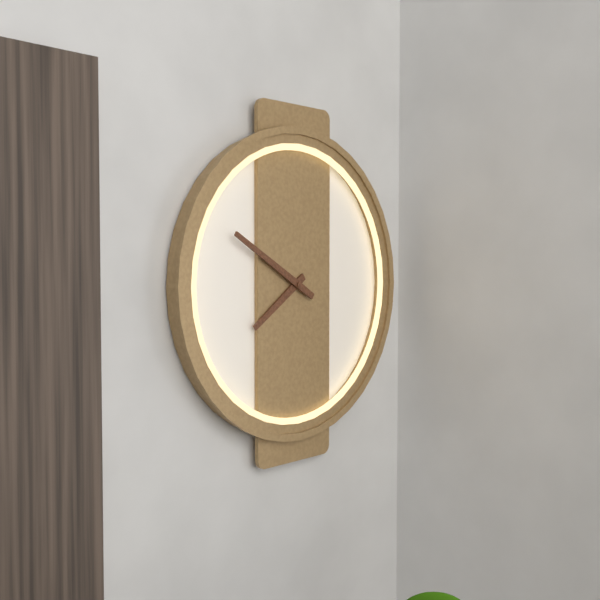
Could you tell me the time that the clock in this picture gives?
7:50
